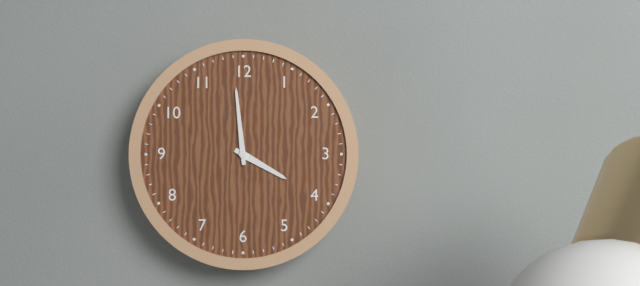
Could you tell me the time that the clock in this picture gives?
3:59
